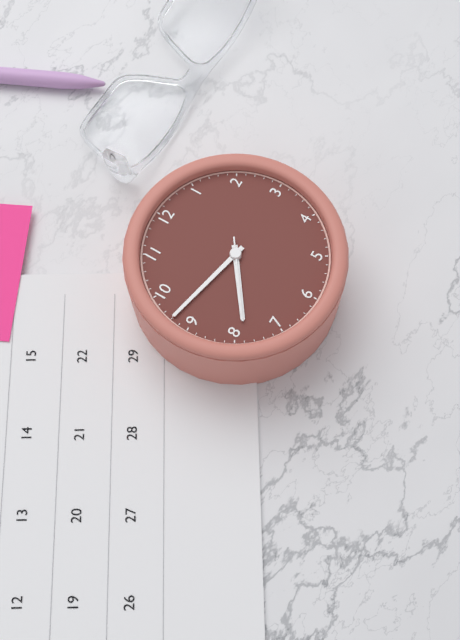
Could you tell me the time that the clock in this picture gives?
7:47:39
